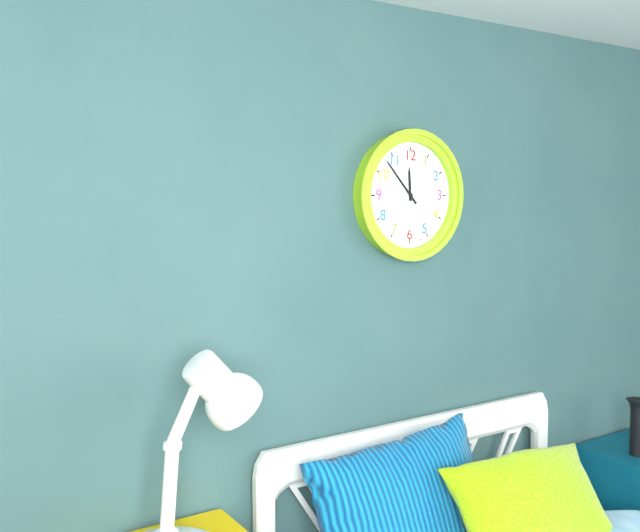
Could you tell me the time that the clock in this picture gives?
11:53
